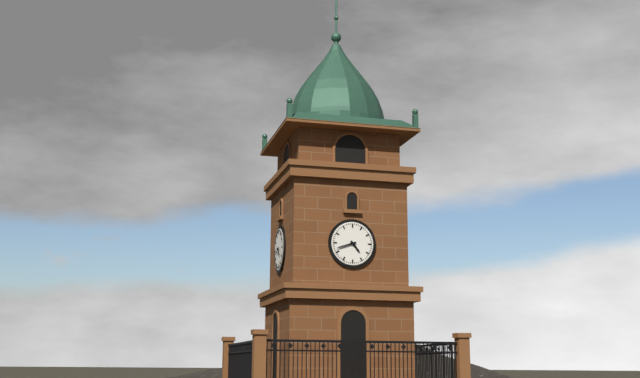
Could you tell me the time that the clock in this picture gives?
4:42
